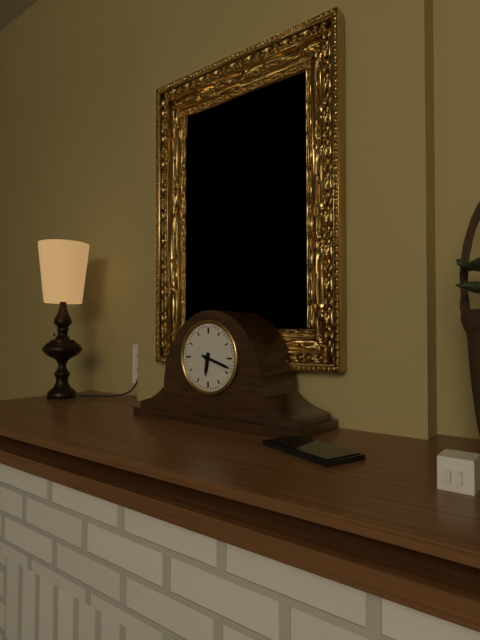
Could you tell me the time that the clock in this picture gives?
6:18
